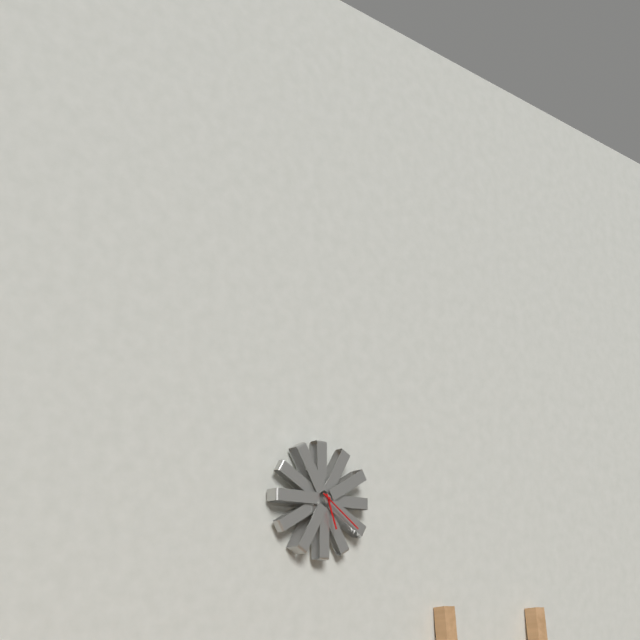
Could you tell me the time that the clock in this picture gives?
5:21
